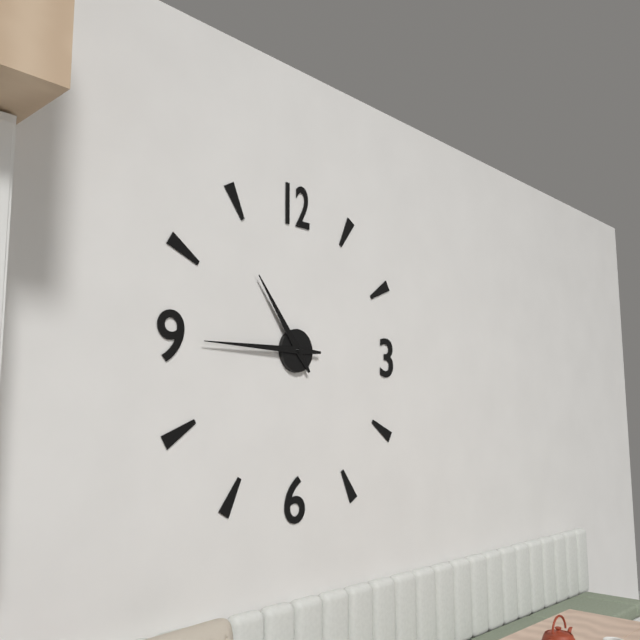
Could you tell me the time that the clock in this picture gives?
10:45
